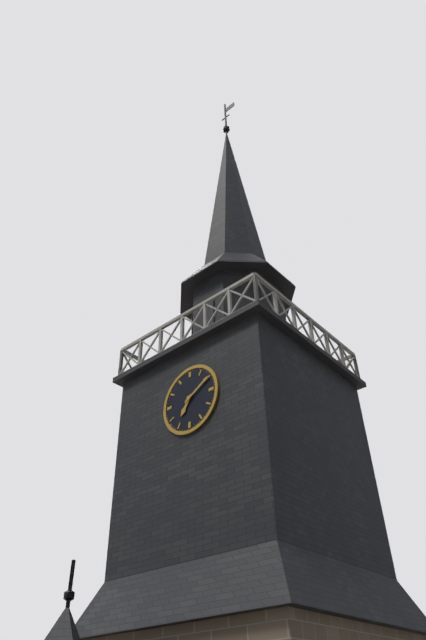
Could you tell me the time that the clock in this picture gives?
7:10
